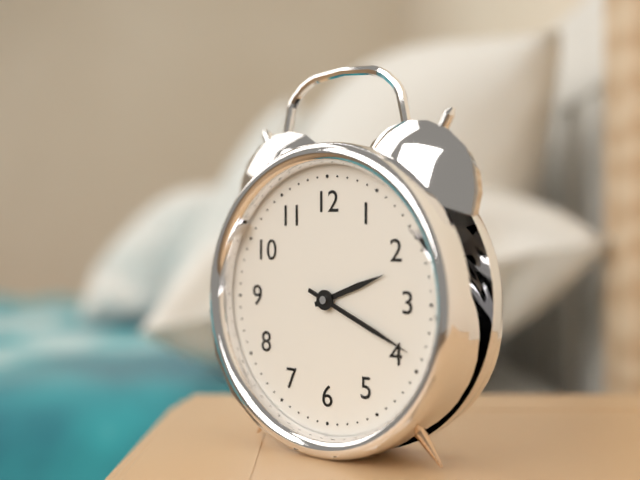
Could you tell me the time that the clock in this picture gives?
2:19
